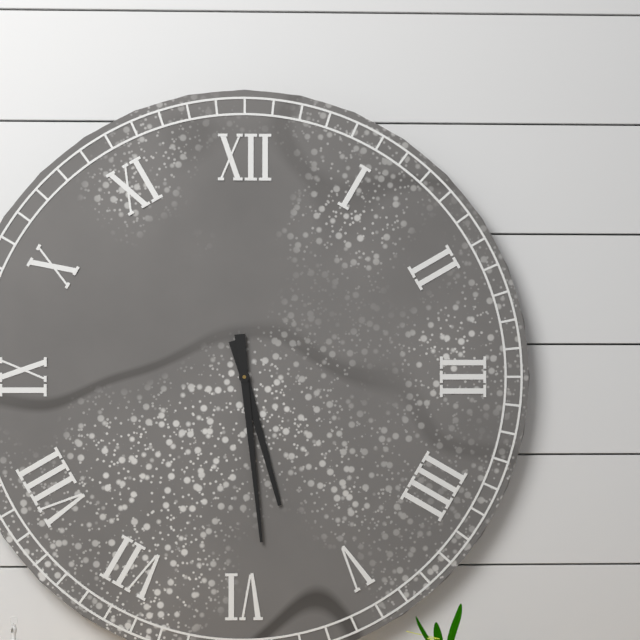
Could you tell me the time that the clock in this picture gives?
5:29
